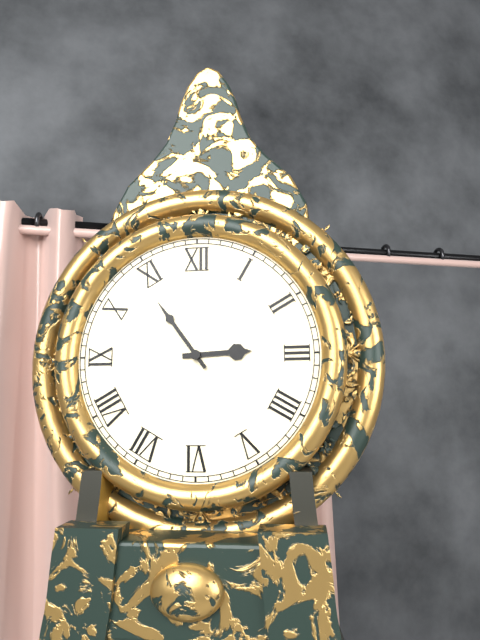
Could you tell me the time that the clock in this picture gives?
2:54
